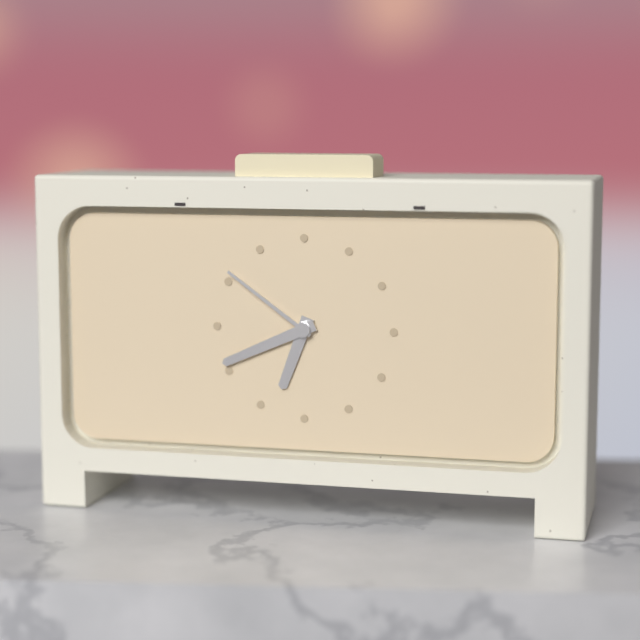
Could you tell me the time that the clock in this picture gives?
6:41:51
